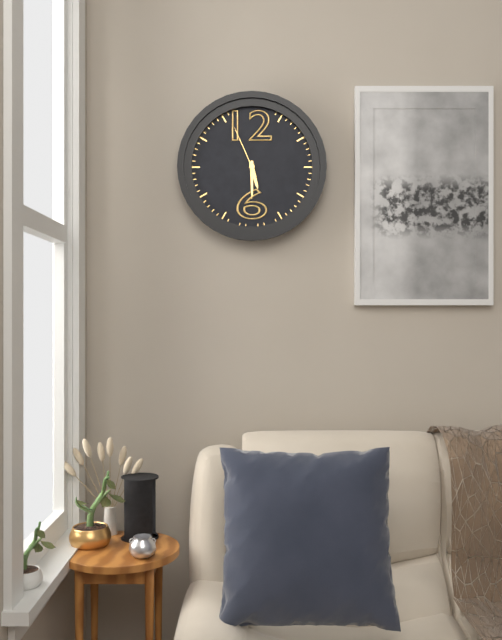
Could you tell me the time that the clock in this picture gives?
5:30:56
